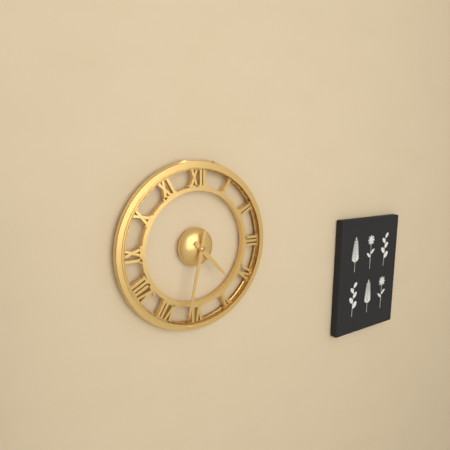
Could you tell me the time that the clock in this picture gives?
4:32
